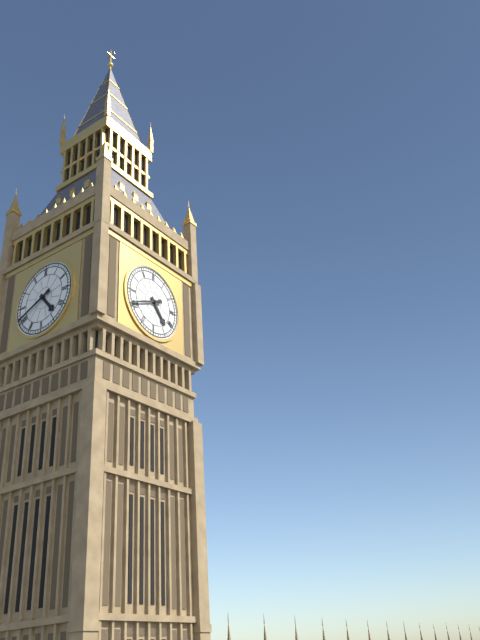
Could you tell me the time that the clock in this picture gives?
4:41
